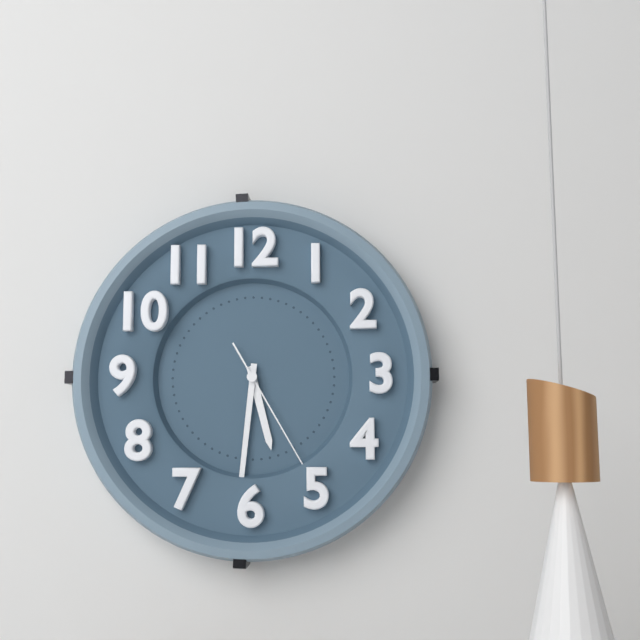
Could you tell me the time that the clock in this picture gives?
5:31:25
